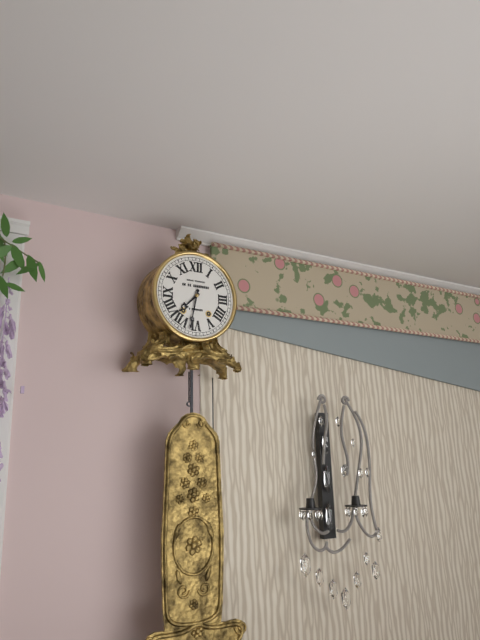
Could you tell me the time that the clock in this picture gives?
7:32
